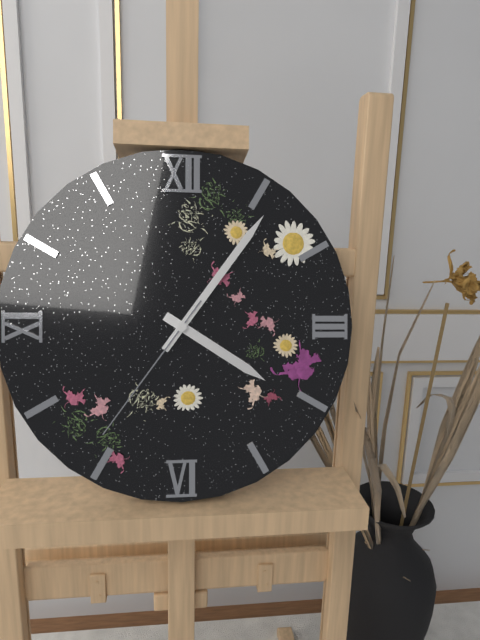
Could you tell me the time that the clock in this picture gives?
4:06:36
